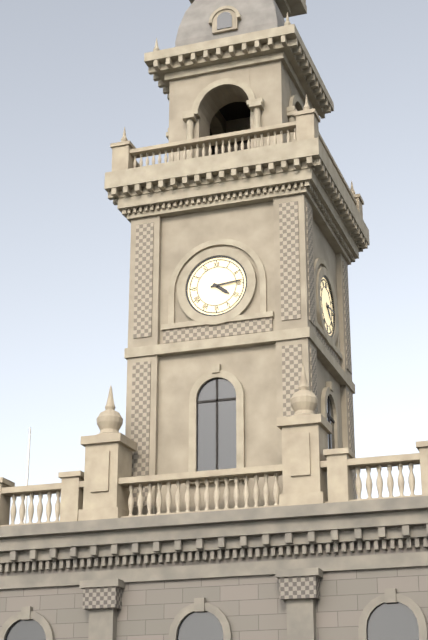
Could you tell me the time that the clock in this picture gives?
4:14
